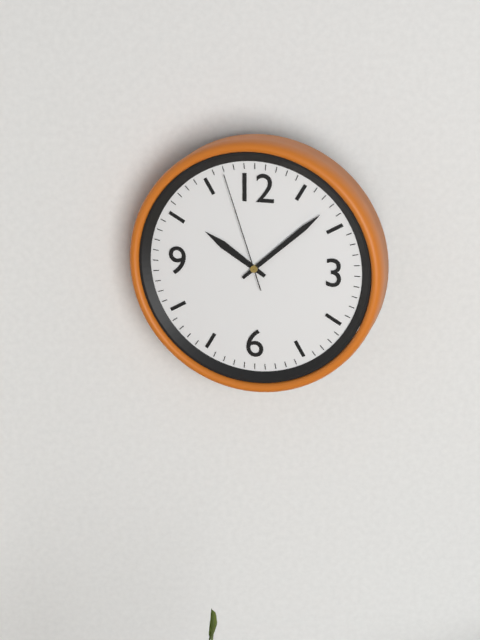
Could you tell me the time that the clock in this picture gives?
10:08:57
